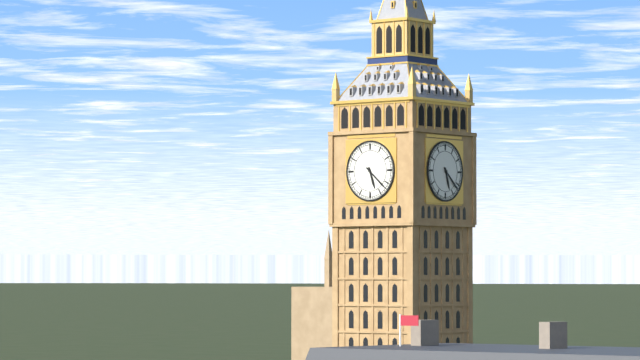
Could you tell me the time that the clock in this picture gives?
5:22
